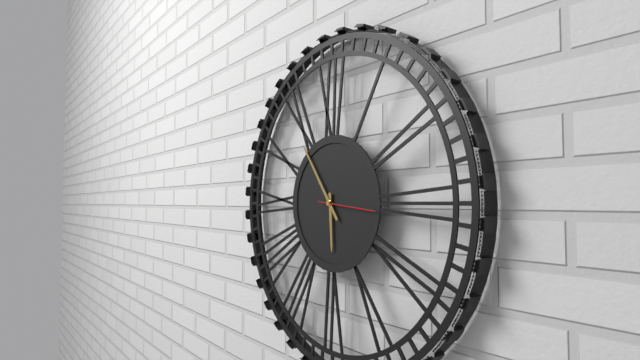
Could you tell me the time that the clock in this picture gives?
5:54:16
